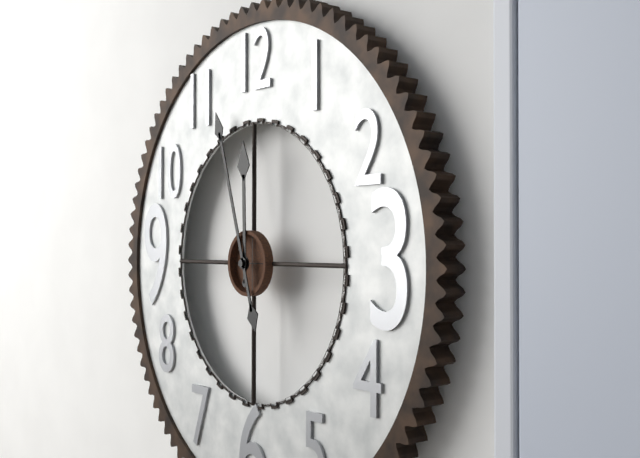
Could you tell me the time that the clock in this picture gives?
11:57
